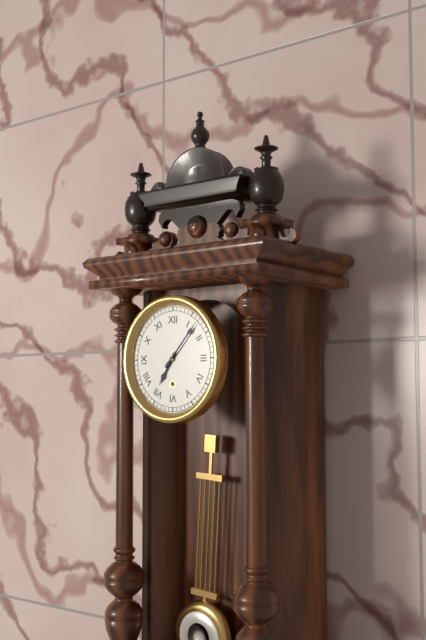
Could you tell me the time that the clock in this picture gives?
7:07
